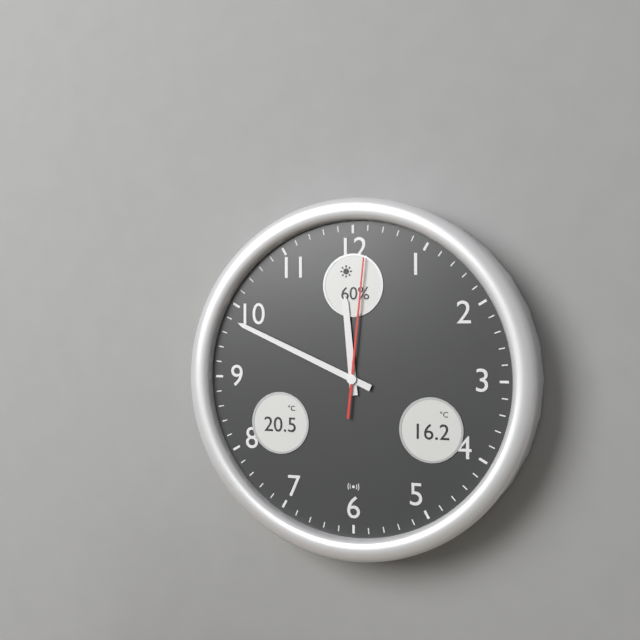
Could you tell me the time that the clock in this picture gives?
11:49:01
